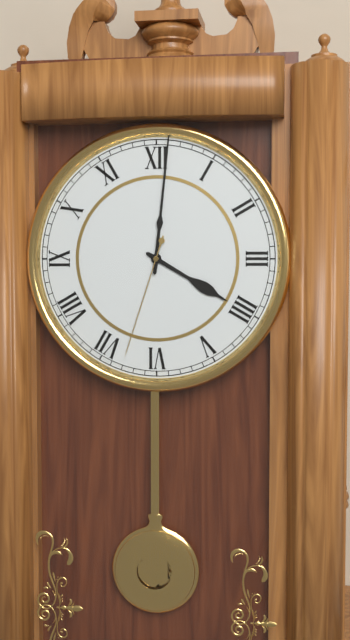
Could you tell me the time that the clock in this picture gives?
4:01:33
